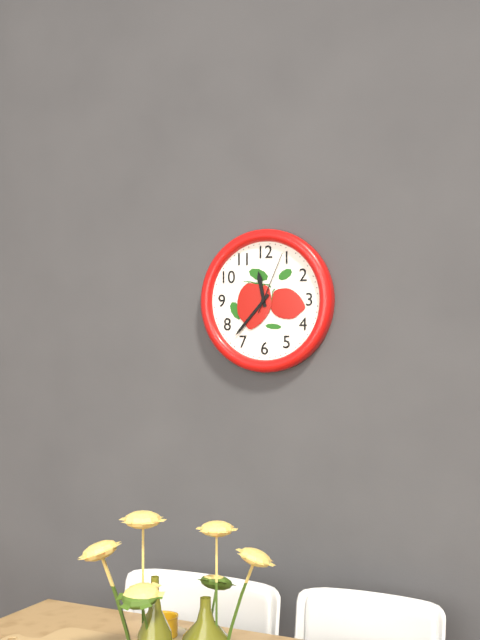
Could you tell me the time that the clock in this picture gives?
11:37:04
